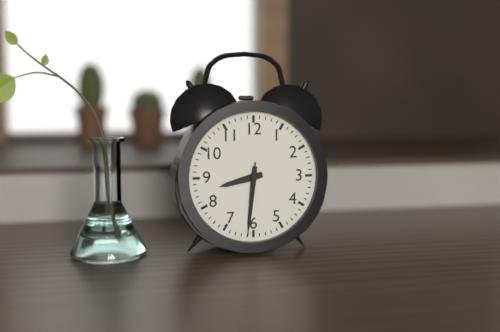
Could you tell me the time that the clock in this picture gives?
8:31:31
